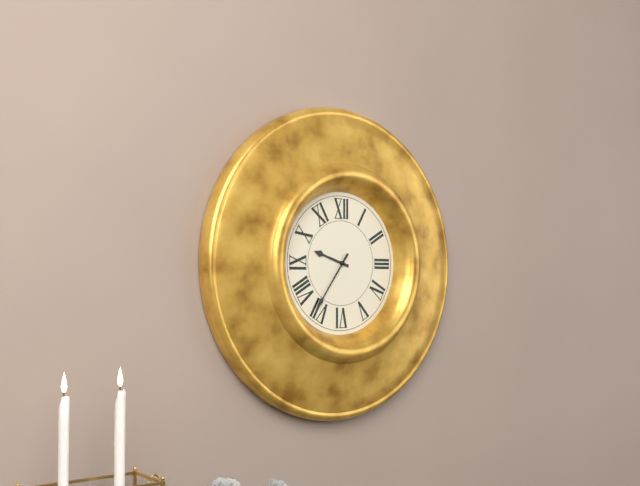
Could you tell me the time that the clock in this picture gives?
9:36
